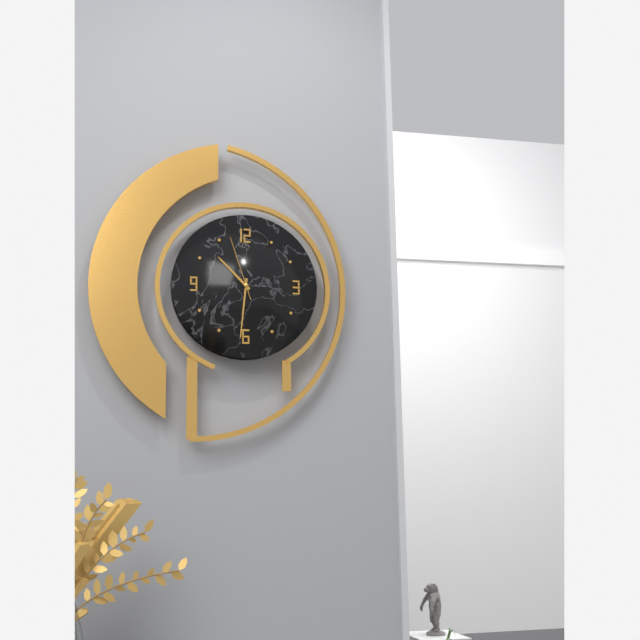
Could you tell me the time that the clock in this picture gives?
10:31:57
